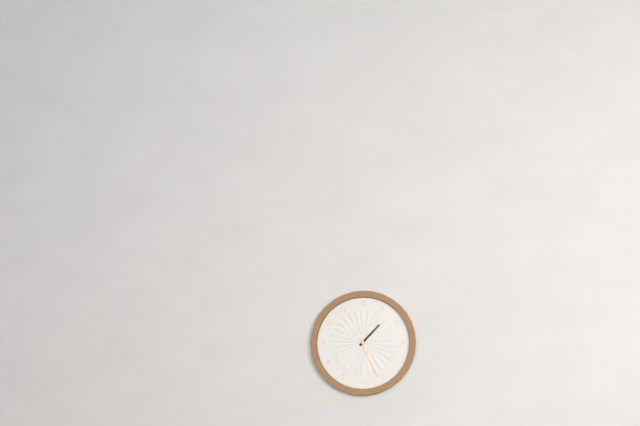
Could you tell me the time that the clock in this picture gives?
1:26
